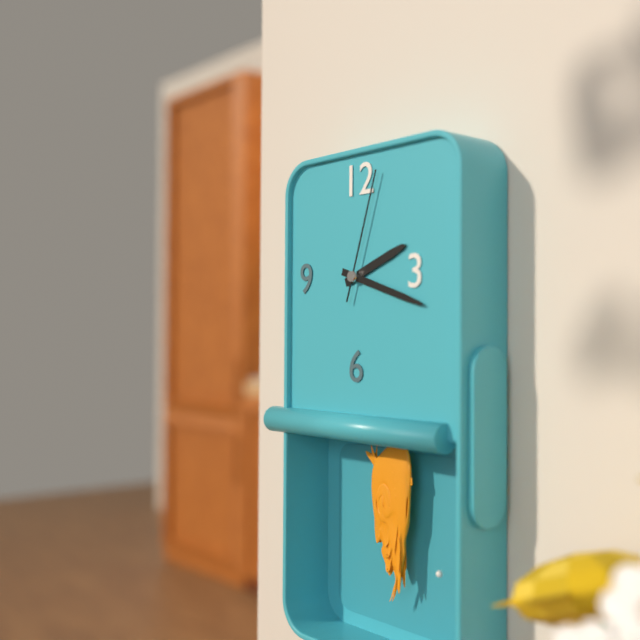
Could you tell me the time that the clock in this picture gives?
2:18:03
